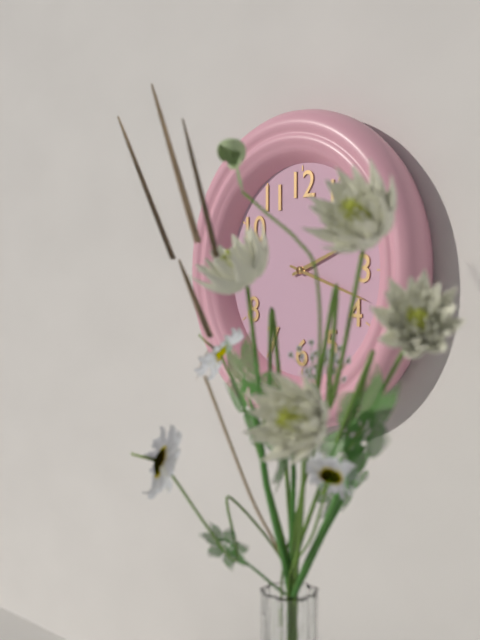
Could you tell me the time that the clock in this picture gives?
2:18
